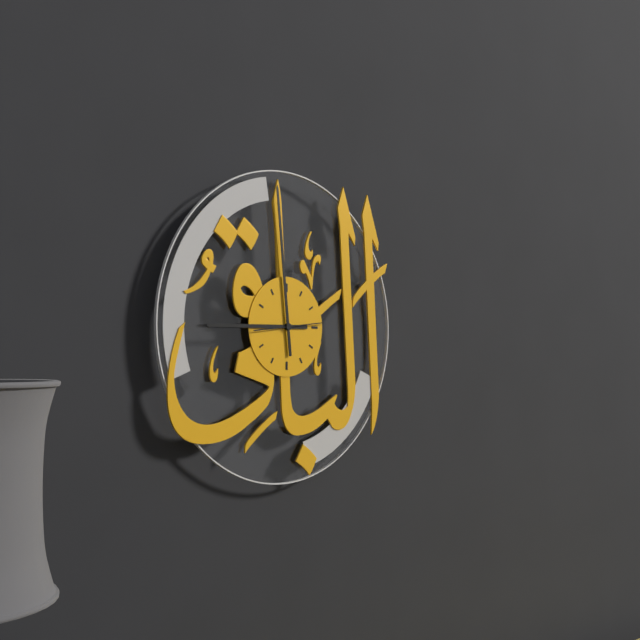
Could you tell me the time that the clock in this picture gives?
8:59:14
